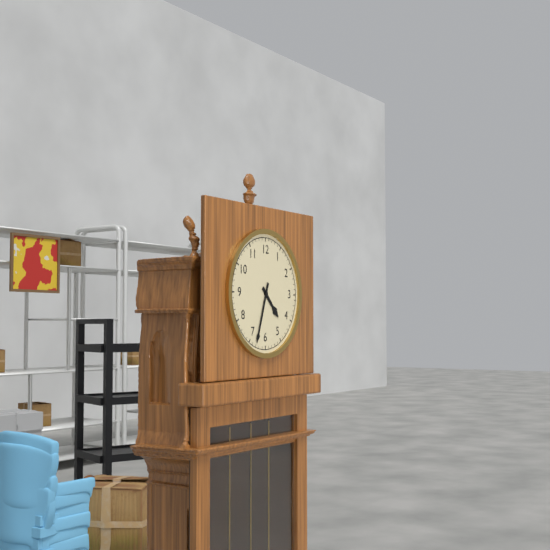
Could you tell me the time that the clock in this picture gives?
4:33
